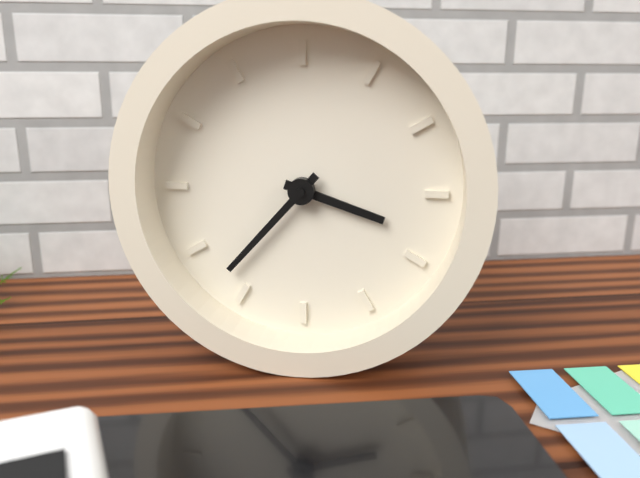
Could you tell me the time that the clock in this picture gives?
3:37
